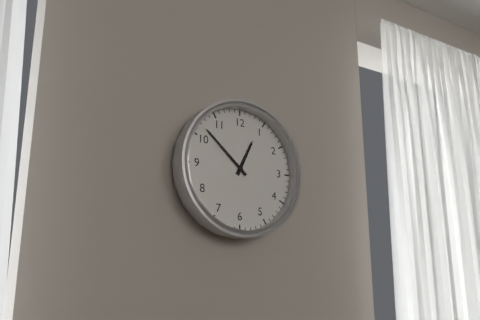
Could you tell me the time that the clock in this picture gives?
12:52
